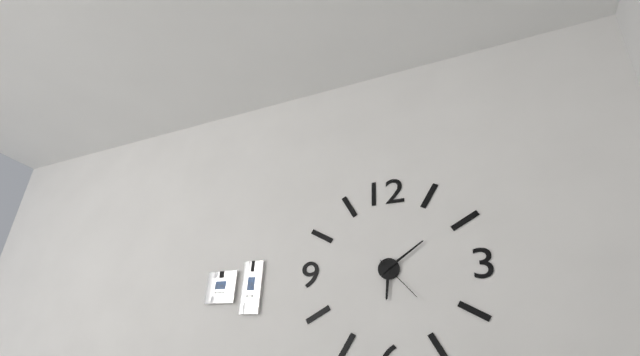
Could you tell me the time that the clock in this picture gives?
6:09
